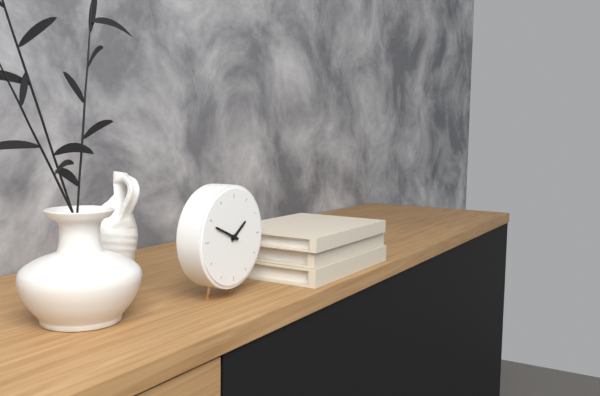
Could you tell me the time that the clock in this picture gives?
1:49
